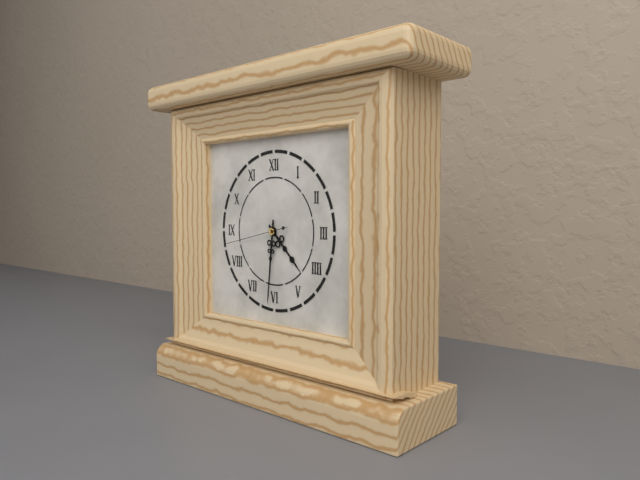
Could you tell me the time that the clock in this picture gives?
4:31:43
